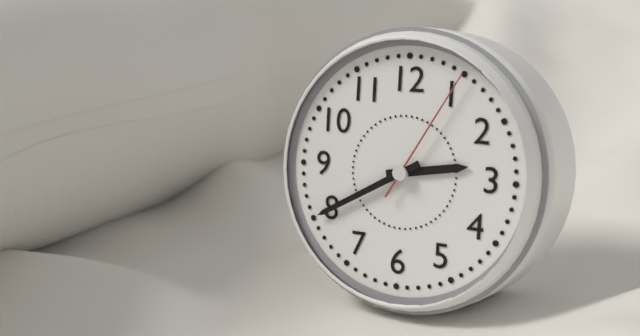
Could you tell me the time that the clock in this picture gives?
2:40:05
